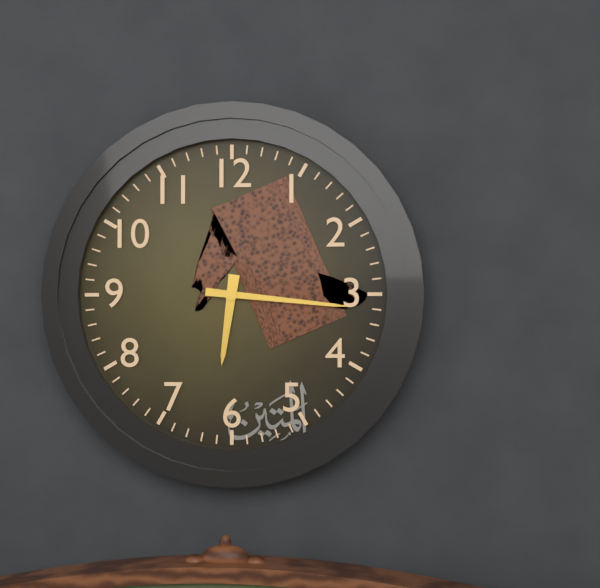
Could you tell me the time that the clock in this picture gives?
6:16
